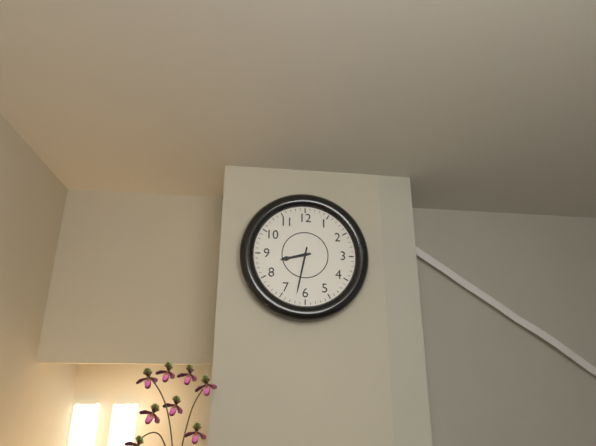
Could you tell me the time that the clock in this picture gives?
8:32
